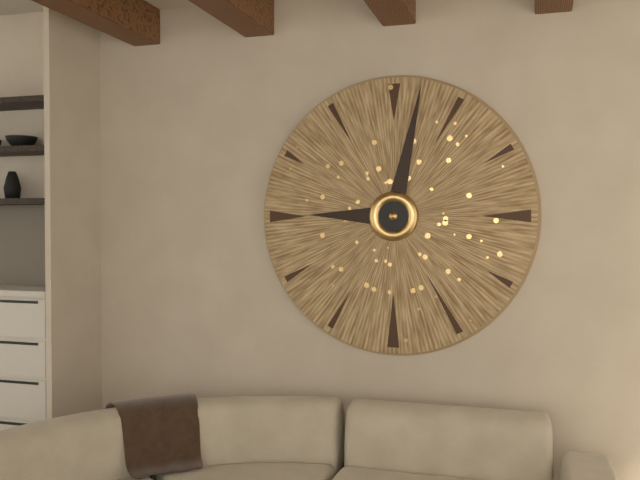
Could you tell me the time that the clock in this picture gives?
9:02
